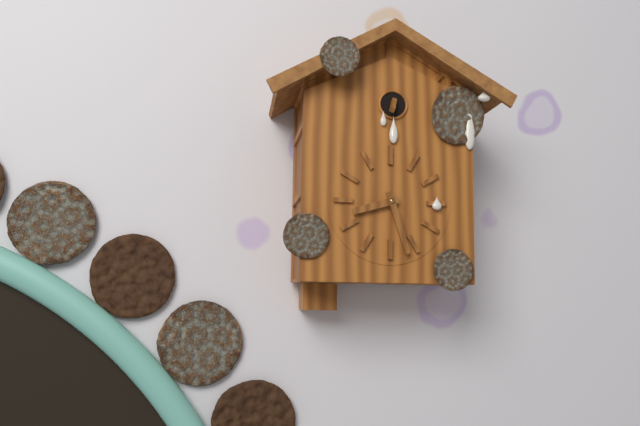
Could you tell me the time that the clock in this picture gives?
8:27
